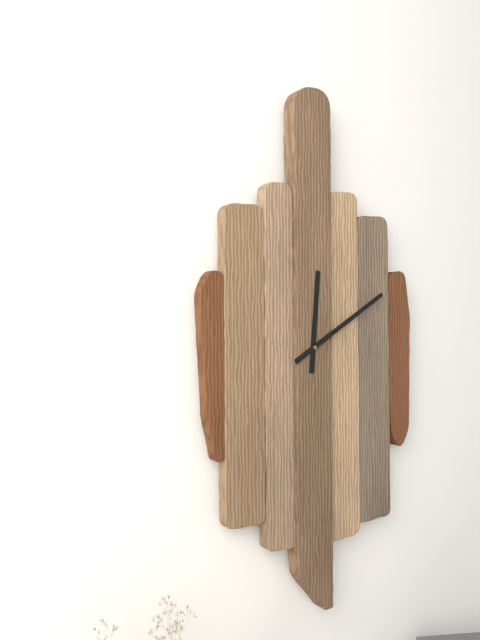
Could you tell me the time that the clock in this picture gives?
12:10
